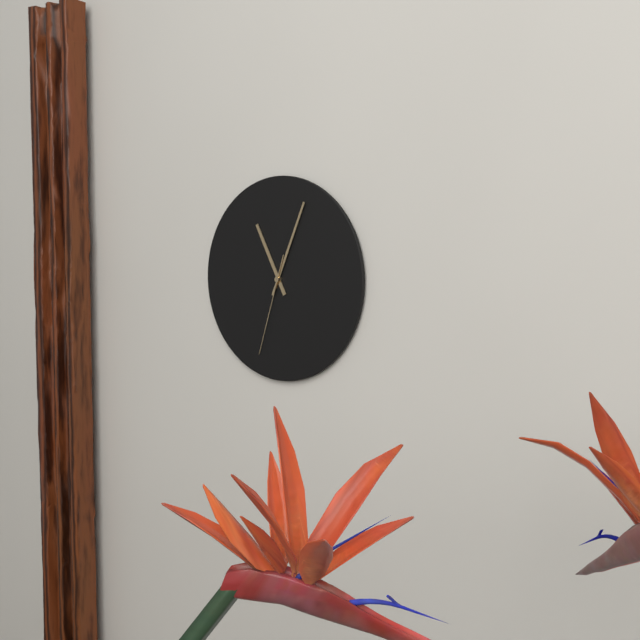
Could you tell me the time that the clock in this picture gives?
11:04:33
